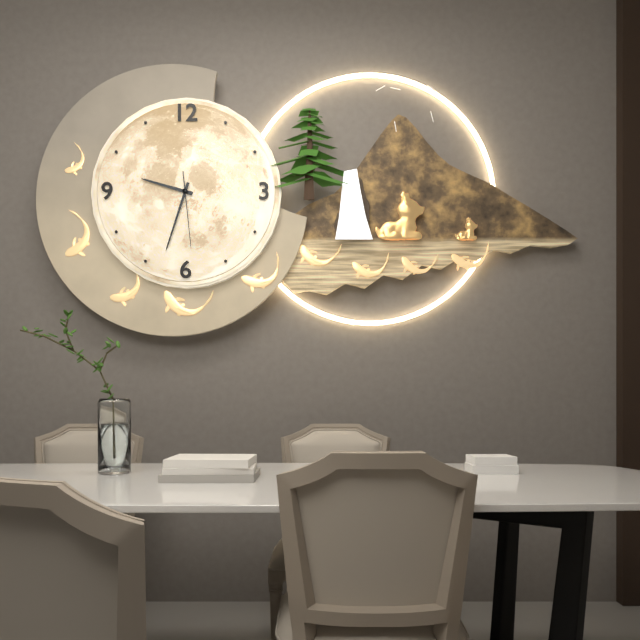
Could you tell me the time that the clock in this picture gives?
9:33:29
